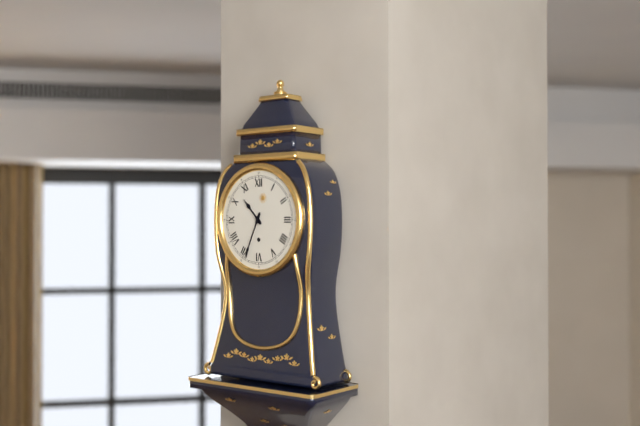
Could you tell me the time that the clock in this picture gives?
10:34
